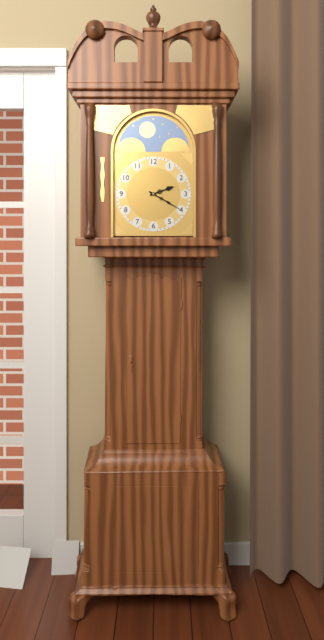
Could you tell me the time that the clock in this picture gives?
2:20
